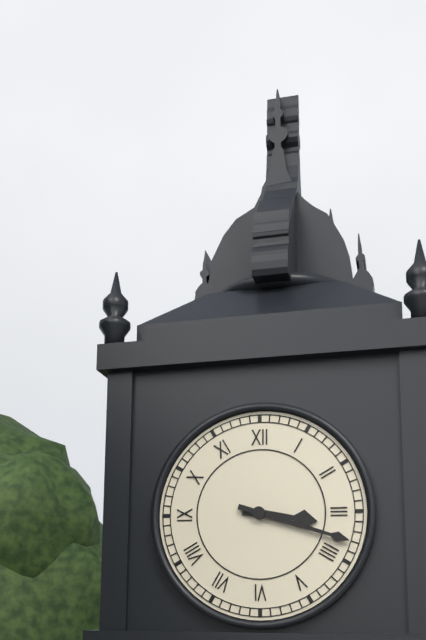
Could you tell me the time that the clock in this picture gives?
3:18
